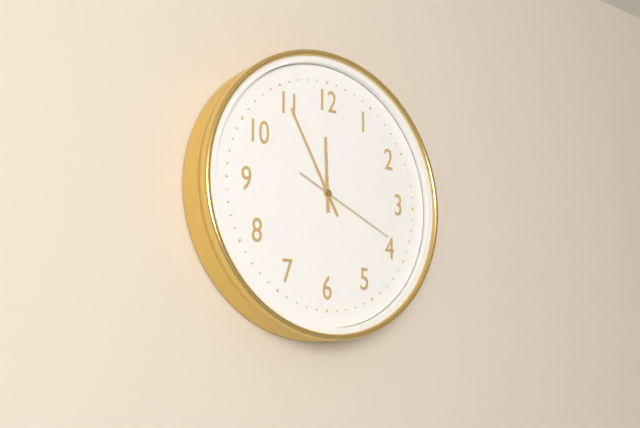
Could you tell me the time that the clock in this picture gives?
11:55:19
